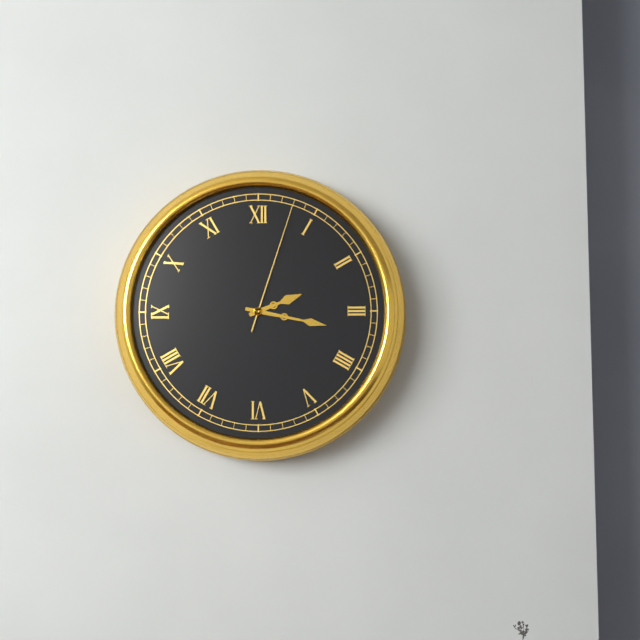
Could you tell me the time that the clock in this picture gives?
2:17:03
